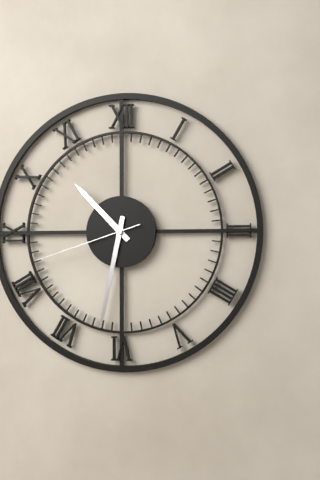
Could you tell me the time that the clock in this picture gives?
10:32:42
